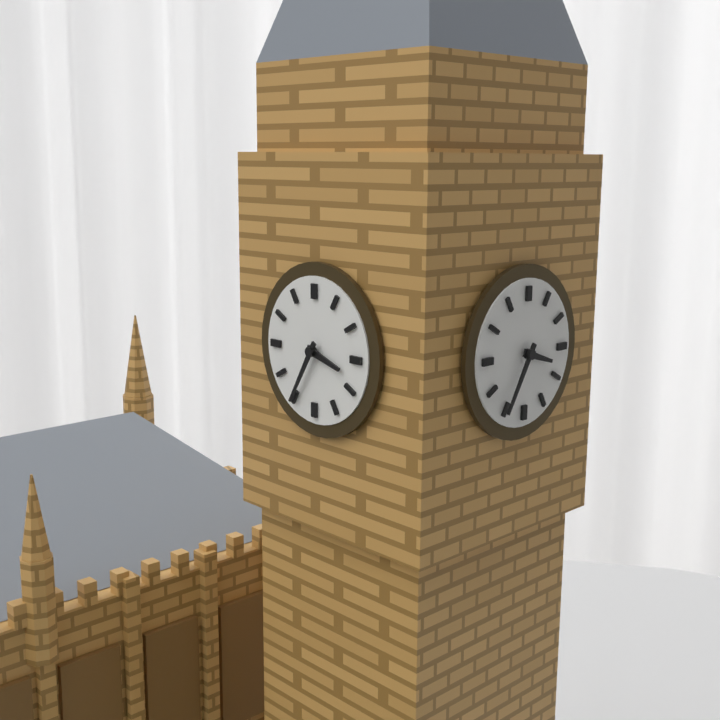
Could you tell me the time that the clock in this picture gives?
3:35
